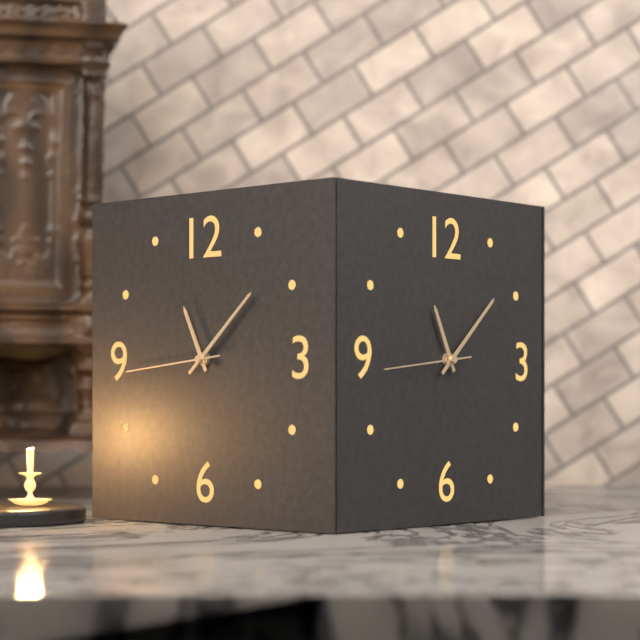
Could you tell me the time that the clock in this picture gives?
11:08:44
